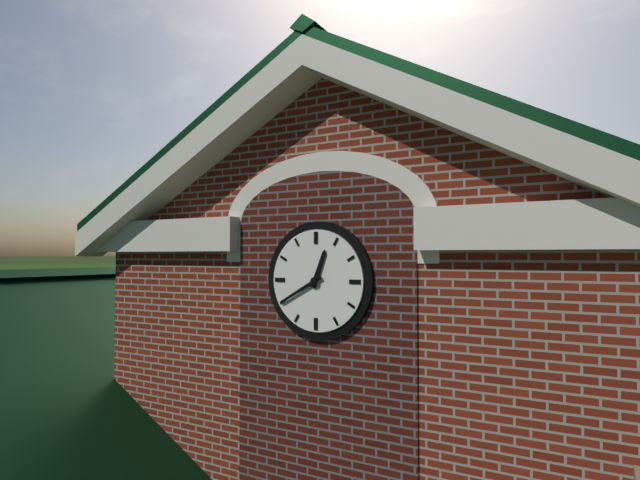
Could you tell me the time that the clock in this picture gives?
12:40
